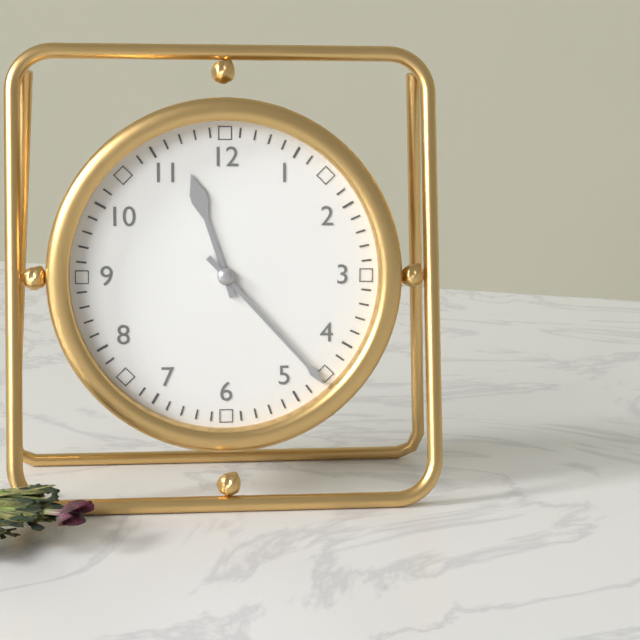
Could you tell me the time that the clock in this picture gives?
11:23
